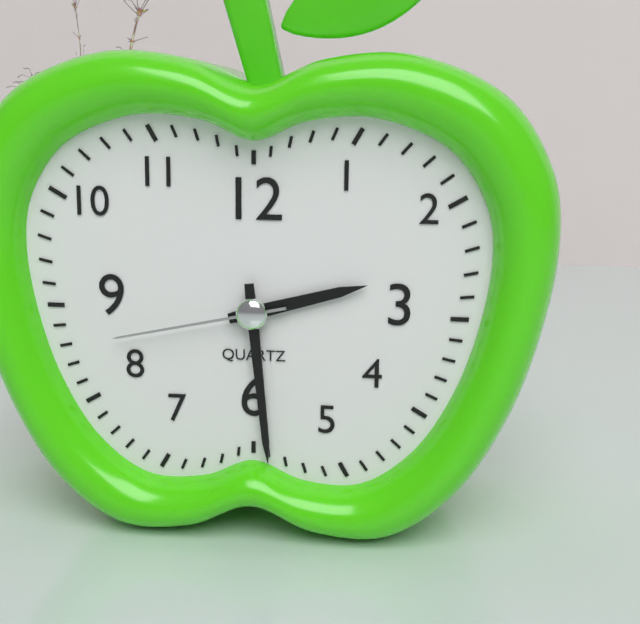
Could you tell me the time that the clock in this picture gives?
2:29:43
